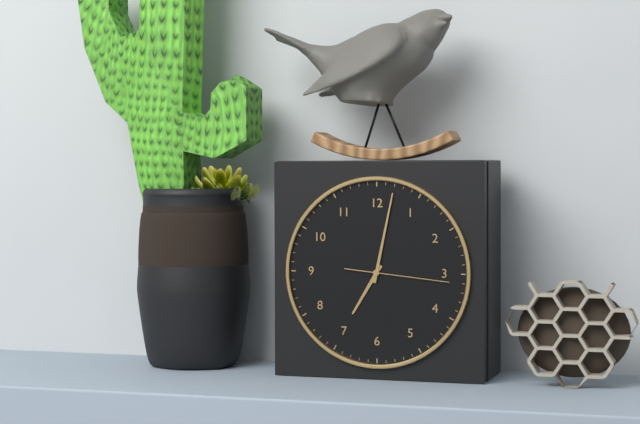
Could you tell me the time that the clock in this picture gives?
7:02:16
